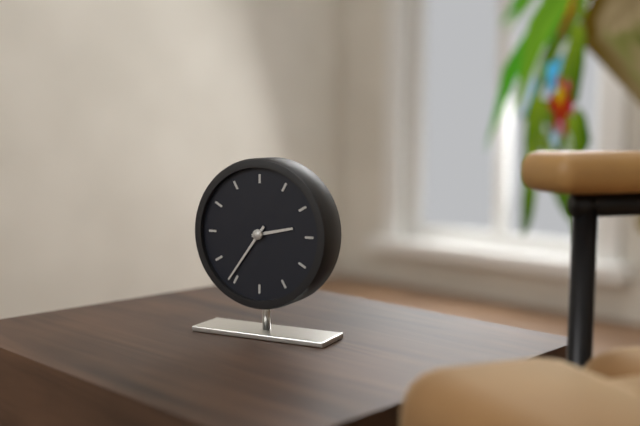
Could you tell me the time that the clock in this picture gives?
2:36
